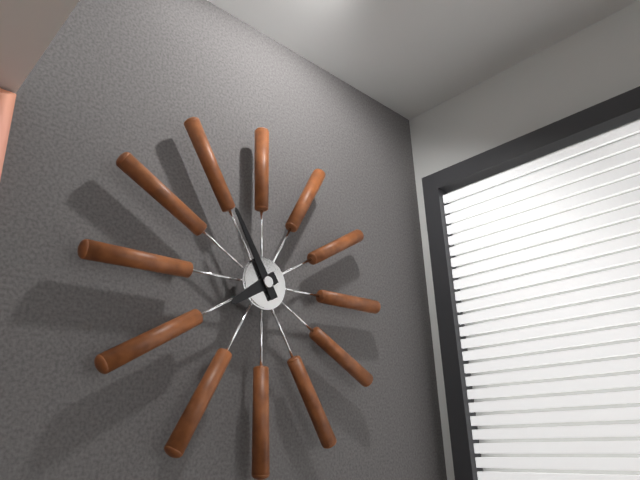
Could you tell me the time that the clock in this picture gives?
7:55
